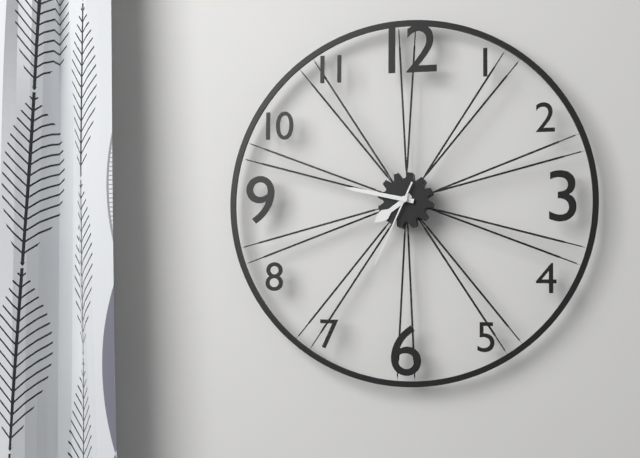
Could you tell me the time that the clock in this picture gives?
7:47:34
